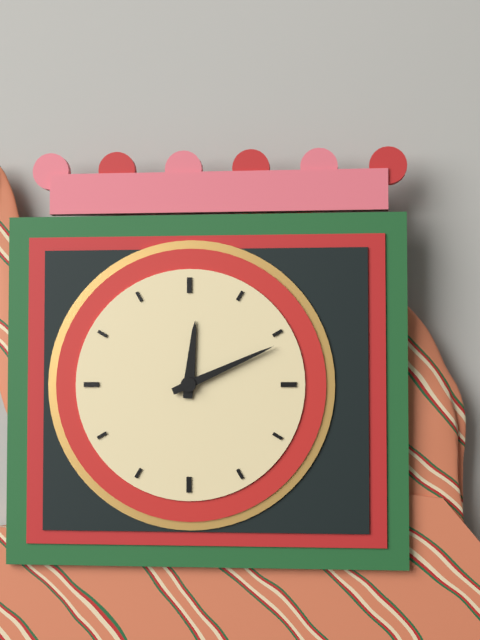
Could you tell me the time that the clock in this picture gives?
12:11
